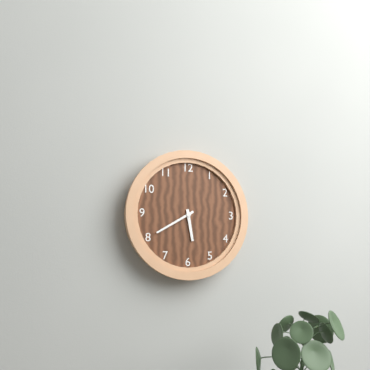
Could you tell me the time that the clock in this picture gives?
5:40
